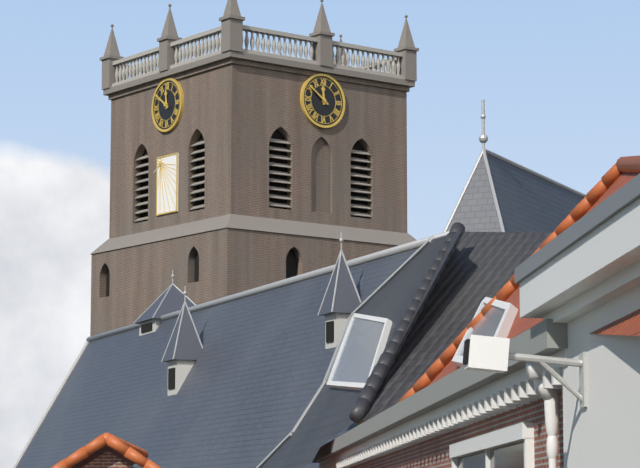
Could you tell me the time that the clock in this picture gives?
11:51
